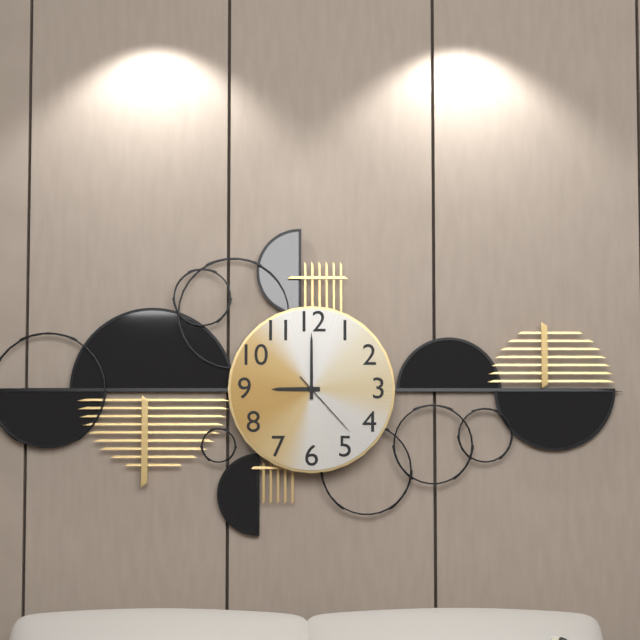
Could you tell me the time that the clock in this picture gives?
9:00:23
